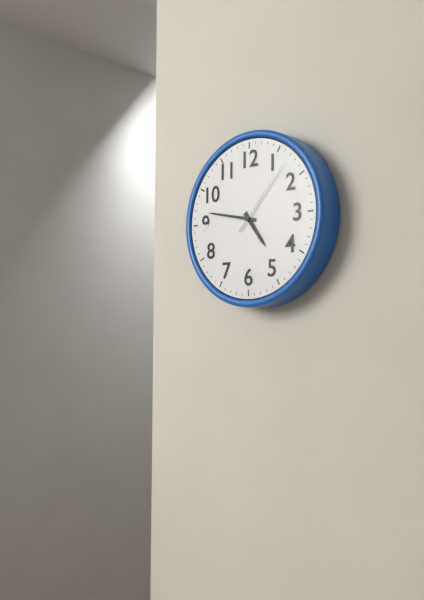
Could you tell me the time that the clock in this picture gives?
4:47:07
